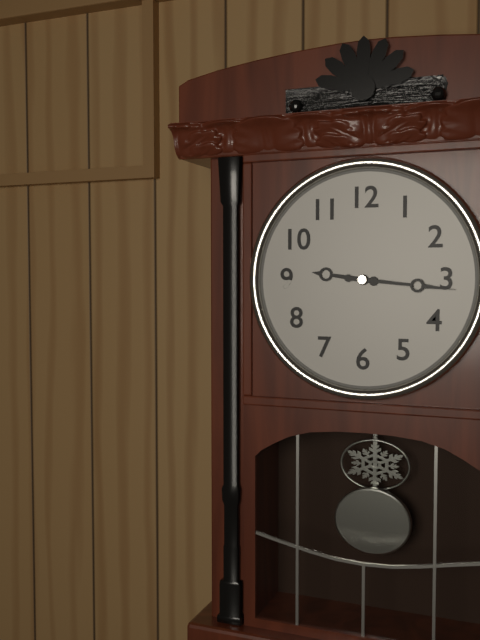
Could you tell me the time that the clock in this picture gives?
9:16
